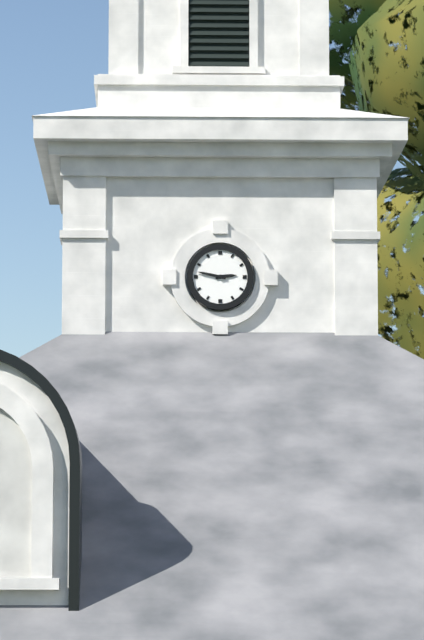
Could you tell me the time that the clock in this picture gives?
2:47
